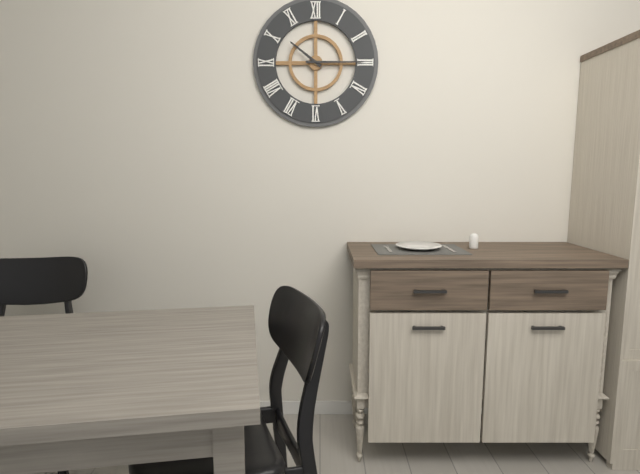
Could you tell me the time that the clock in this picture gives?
10:15
